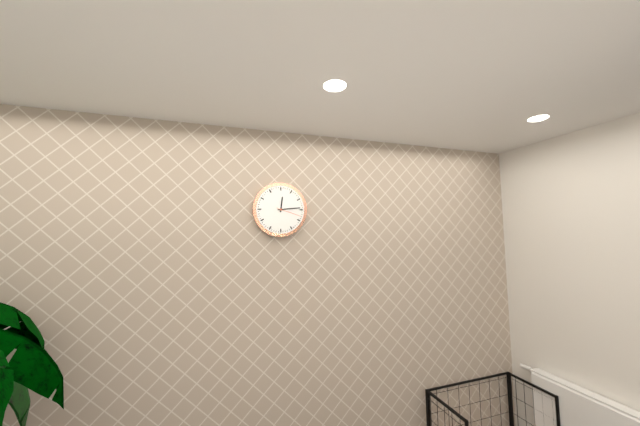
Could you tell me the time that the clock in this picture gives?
12:14
